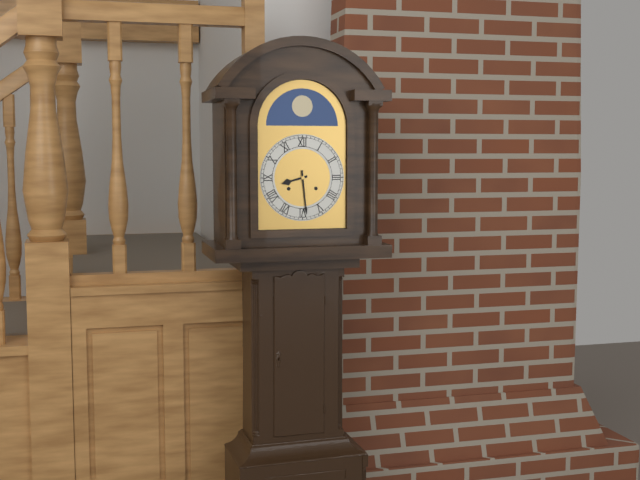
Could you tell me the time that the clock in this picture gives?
8:29
